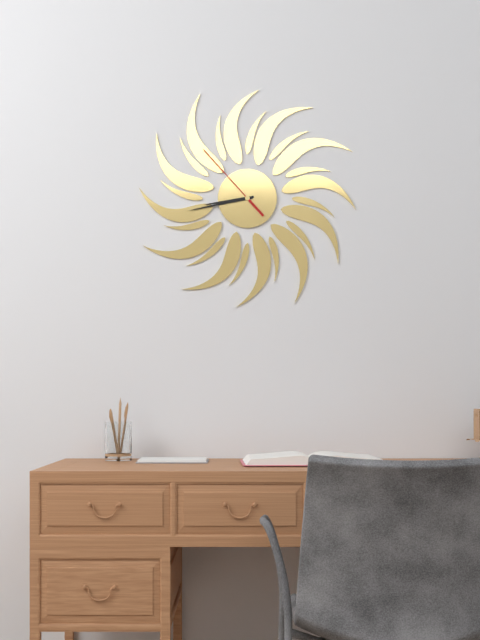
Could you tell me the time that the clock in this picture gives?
8:43:53
